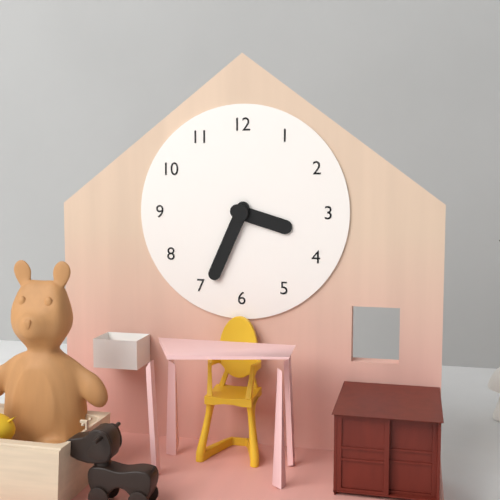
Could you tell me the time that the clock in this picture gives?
3:34
